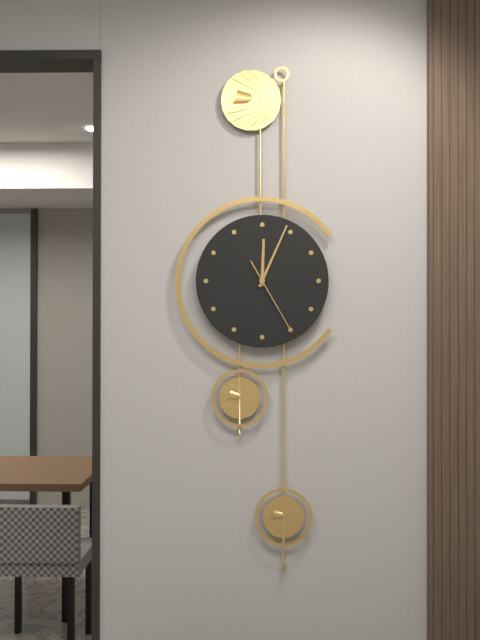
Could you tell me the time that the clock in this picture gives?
12:04:25
